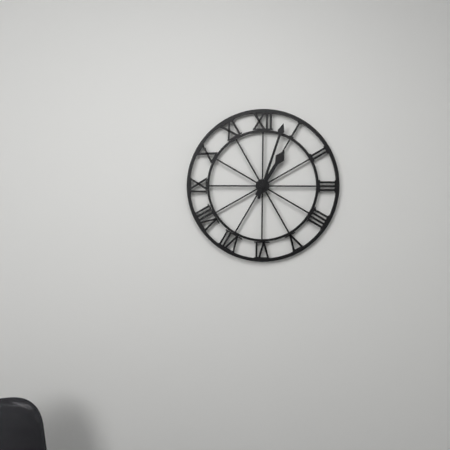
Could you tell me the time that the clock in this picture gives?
1:03
